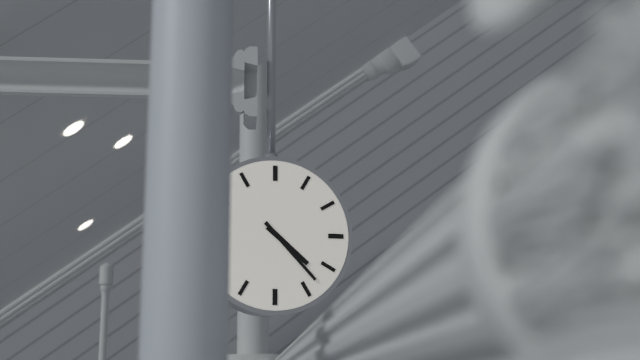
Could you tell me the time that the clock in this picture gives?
4:23
